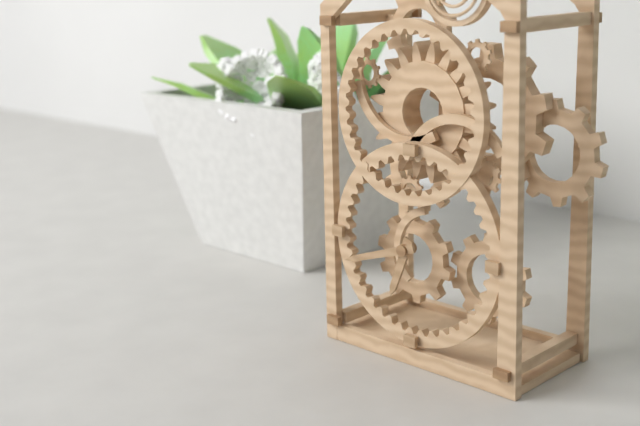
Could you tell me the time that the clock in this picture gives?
6:42
